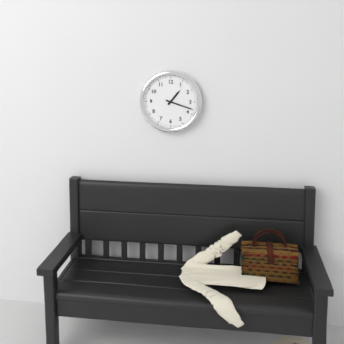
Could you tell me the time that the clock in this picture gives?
1:18
